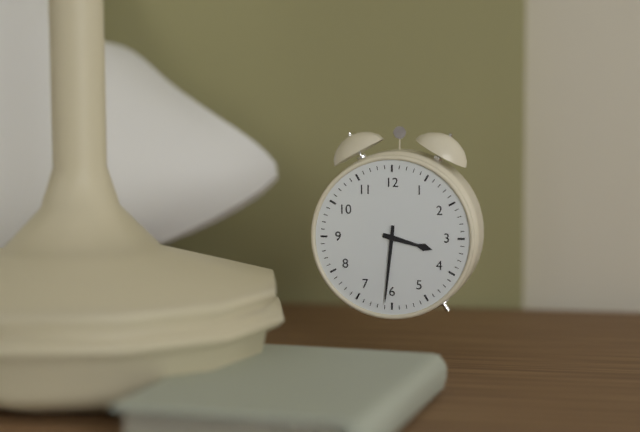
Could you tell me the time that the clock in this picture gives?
3:31
